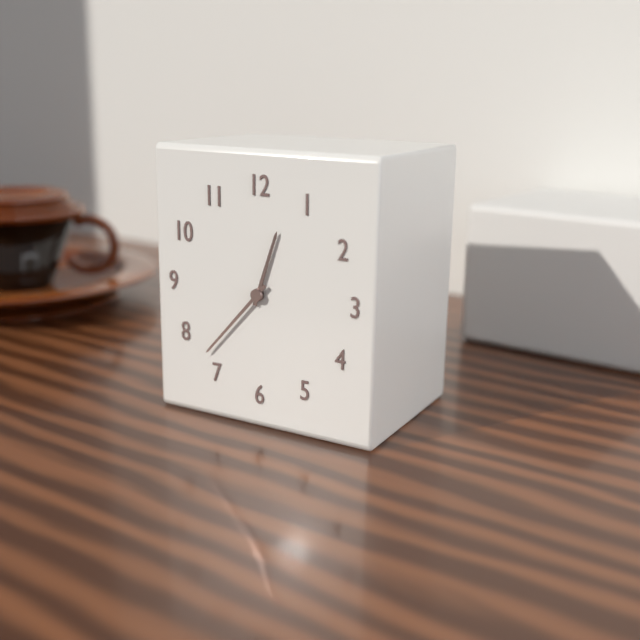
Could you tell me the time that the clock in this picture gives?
12:37
